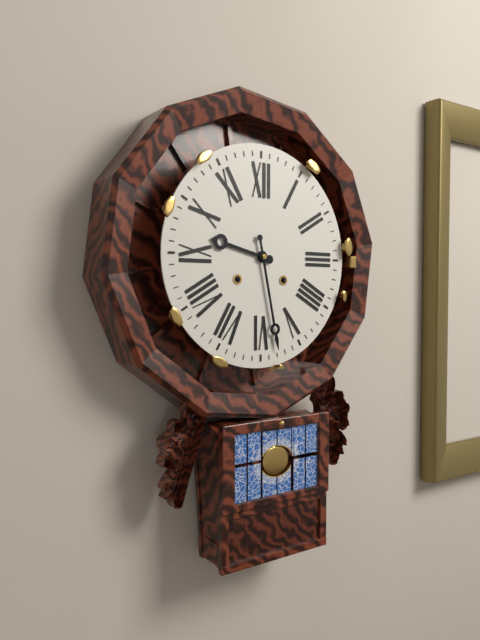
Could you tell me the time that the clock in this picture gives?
9:28
